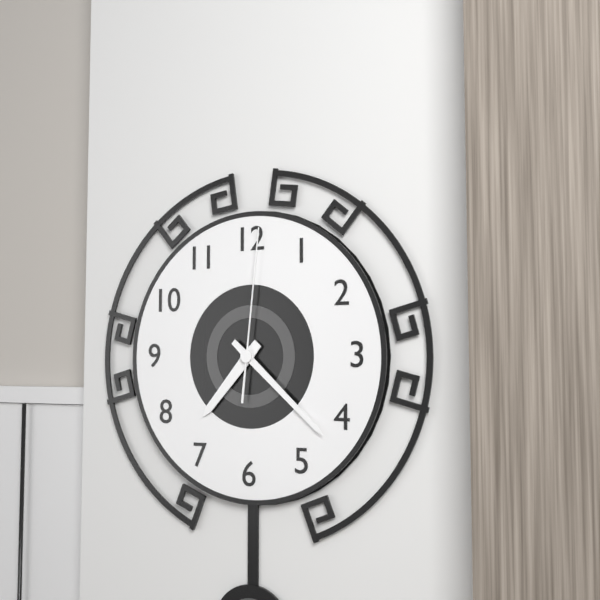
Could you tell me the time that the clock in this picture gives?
7:22:01
